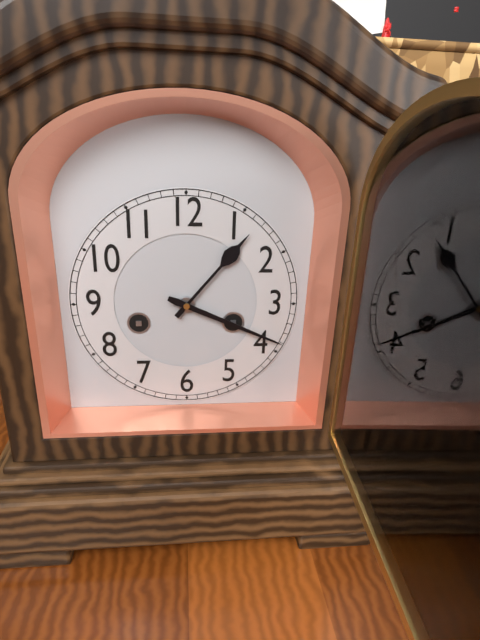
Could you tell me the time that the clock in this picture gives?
1:19
